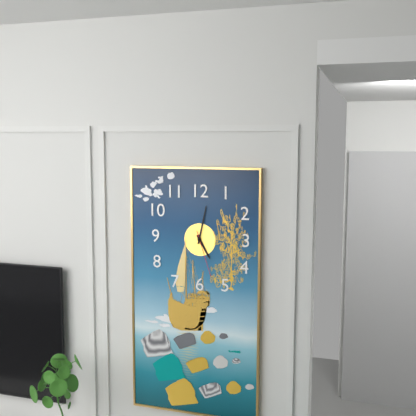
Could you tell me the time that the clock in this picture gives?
5:02
